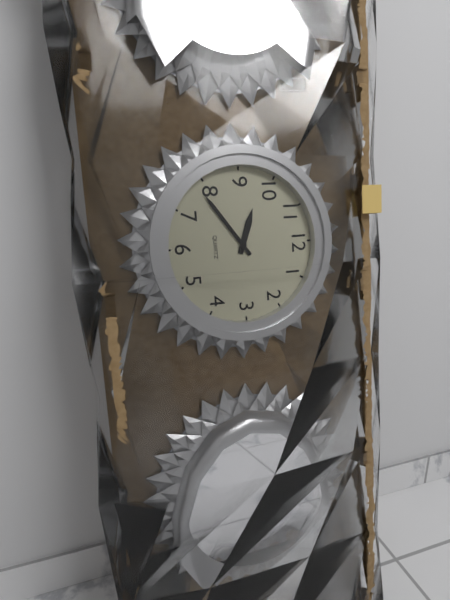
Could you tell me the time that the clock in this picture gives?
9:39
